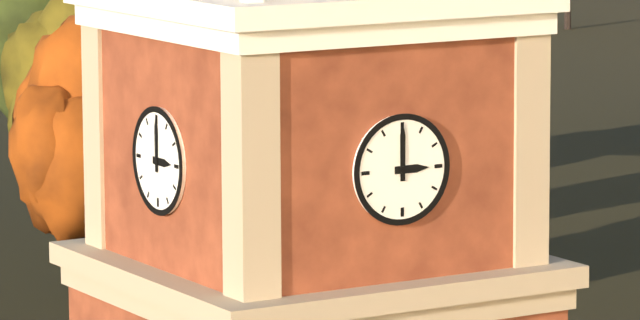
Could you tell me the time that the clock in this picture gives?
3:00
